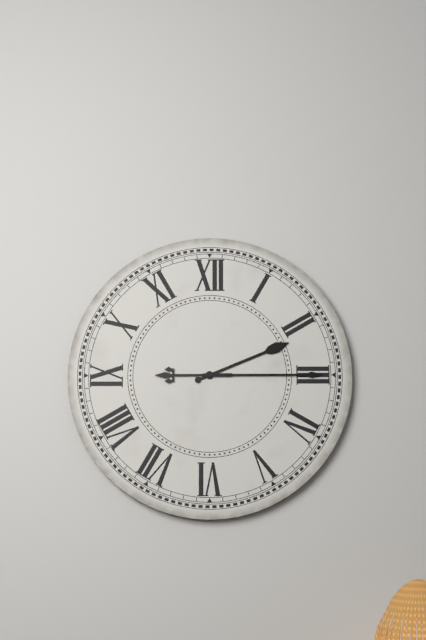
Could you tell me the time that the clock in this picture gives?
2:15
